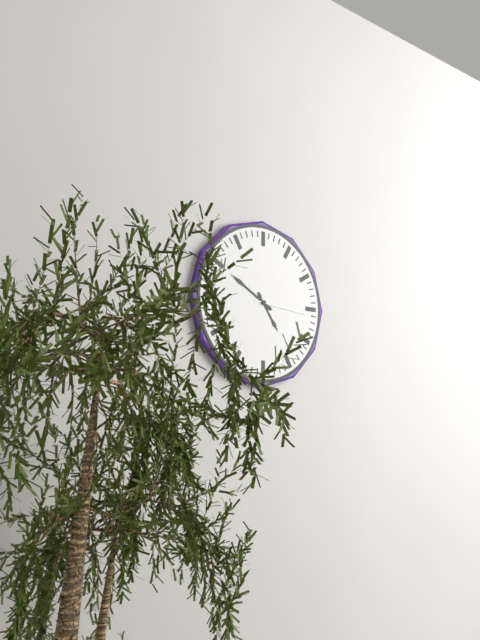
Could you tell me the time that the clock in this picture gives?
4:50:16
